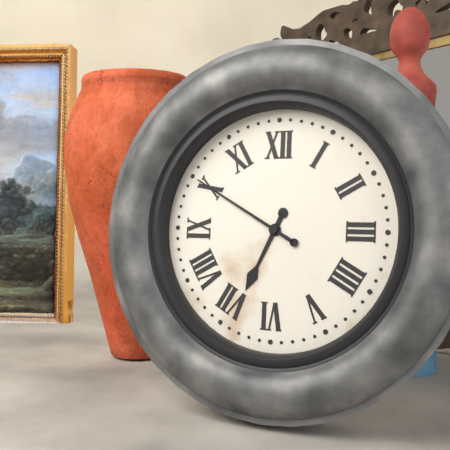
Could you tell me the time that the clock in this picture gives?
6:50
